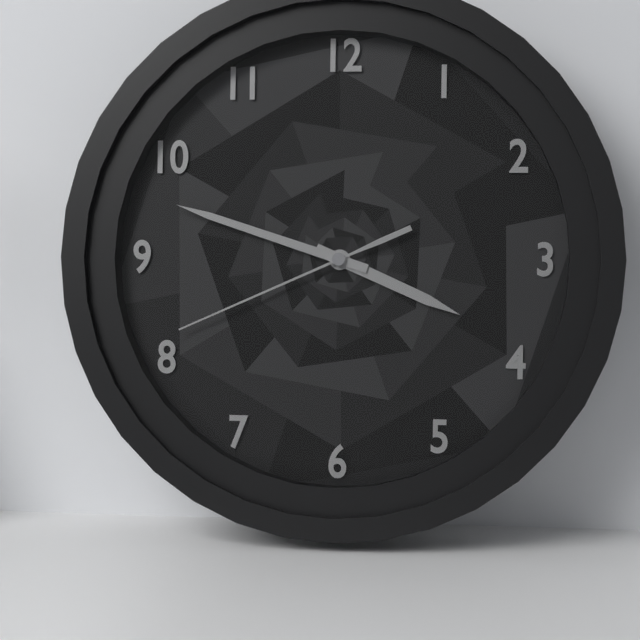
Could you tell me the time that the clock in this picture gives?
3:48:41
